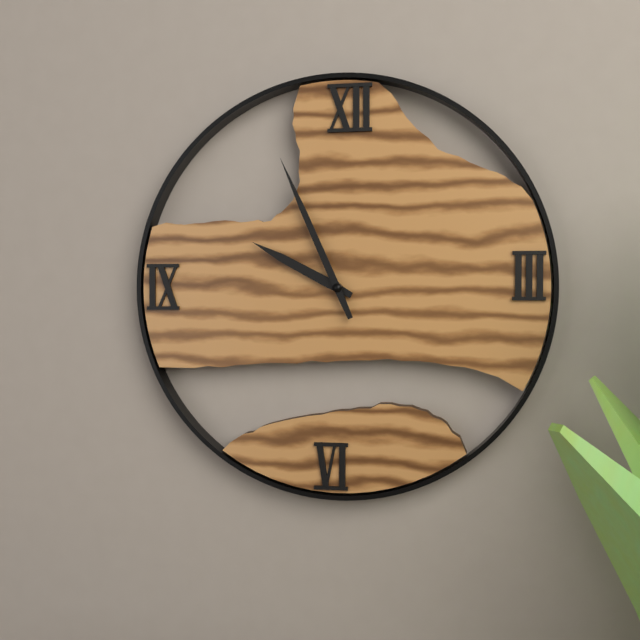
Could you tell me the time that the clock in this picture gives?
9:56
